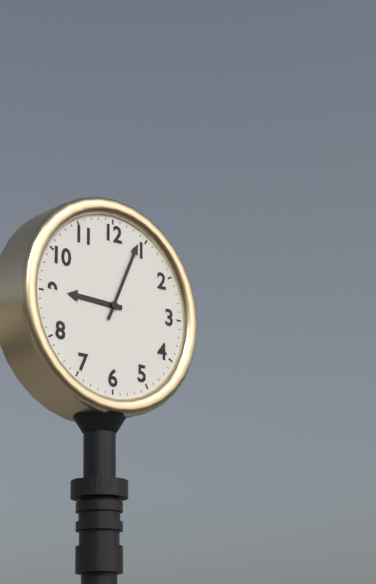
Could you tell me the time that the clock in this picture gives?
9:04
